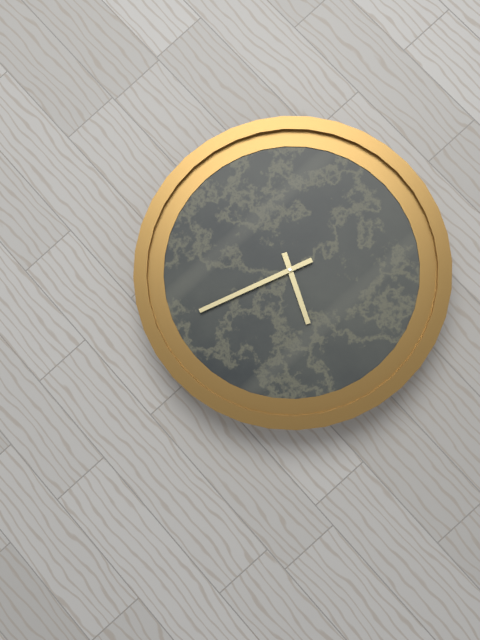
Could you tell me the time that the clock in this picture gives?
6:48
